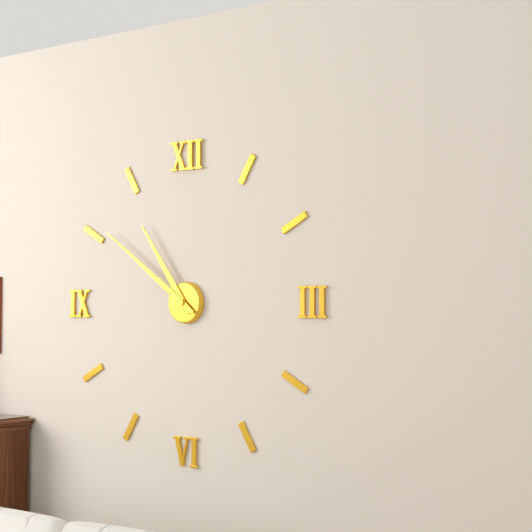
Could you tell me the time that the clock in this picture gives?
10:51
